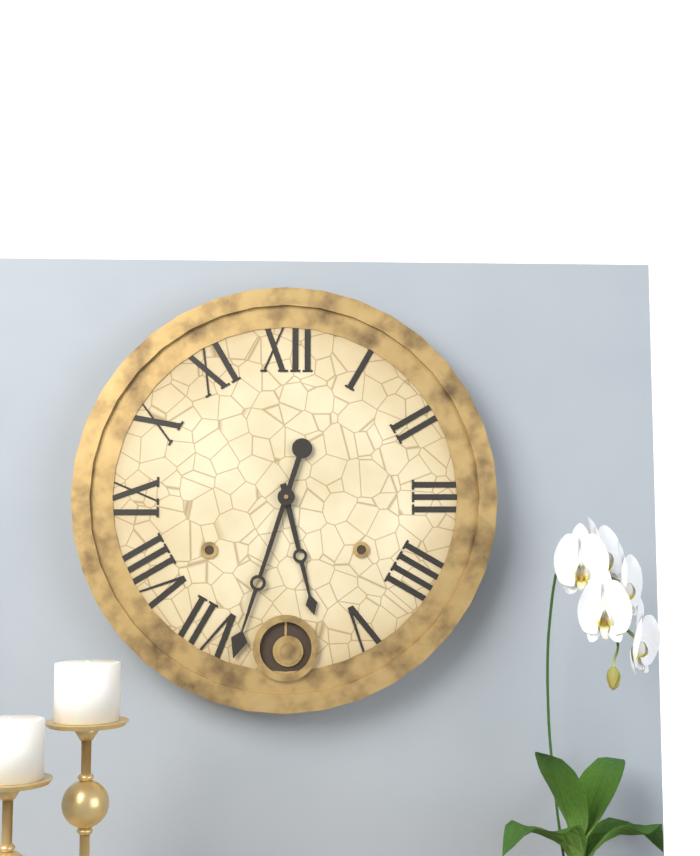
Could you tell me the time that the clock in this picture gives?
5:33
